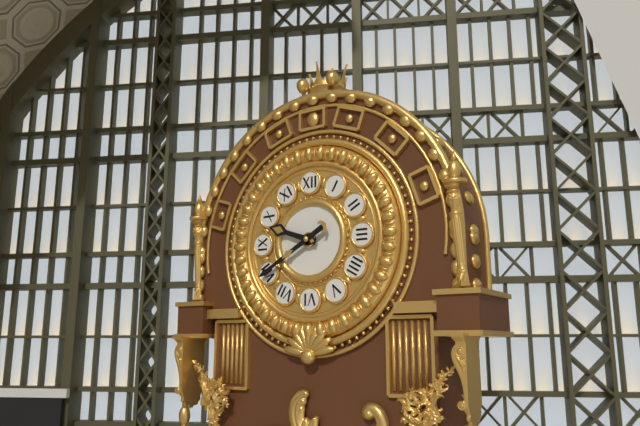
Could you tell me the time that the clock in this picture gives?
9:40
